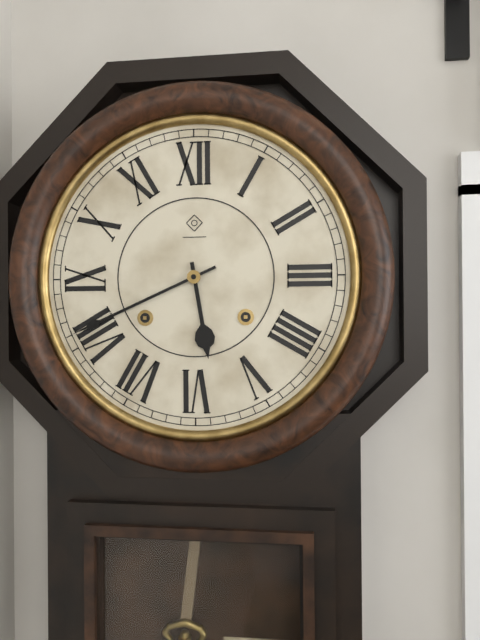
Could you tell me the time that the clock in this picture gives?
5:41
